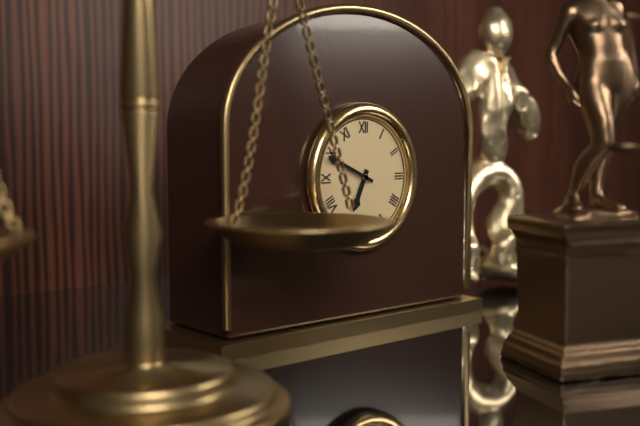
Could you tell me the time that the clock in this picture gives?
6:49
